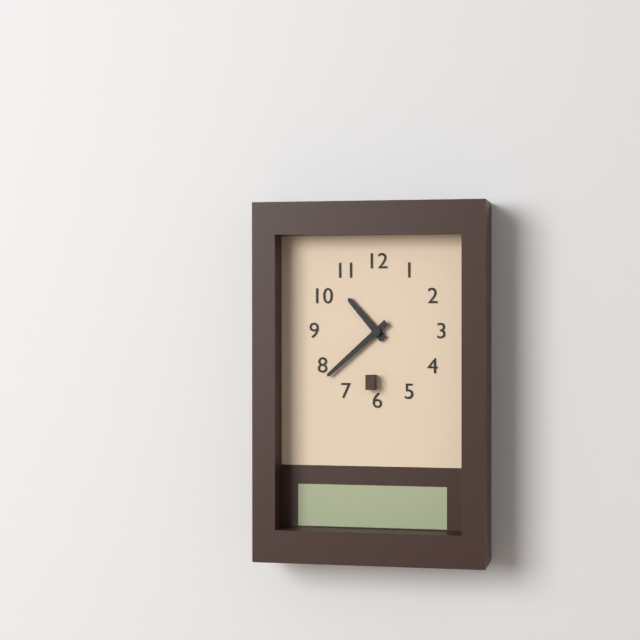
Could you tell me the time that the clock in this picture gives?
10:38
